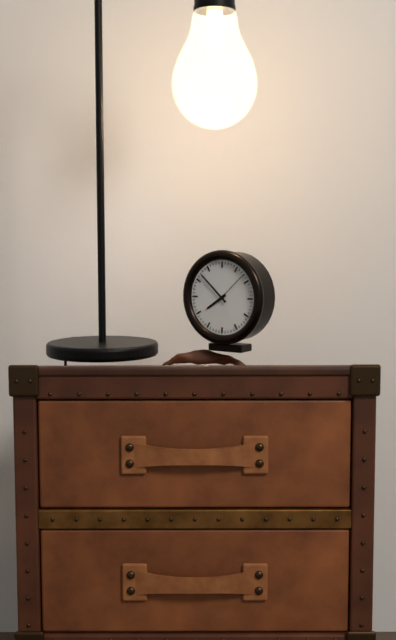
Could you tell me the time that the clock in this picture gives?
7:52
